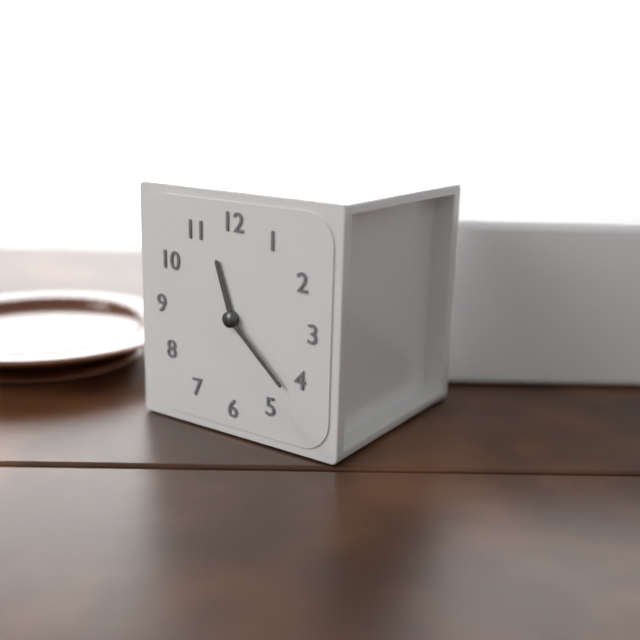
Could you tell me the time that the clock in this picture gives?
11:22
